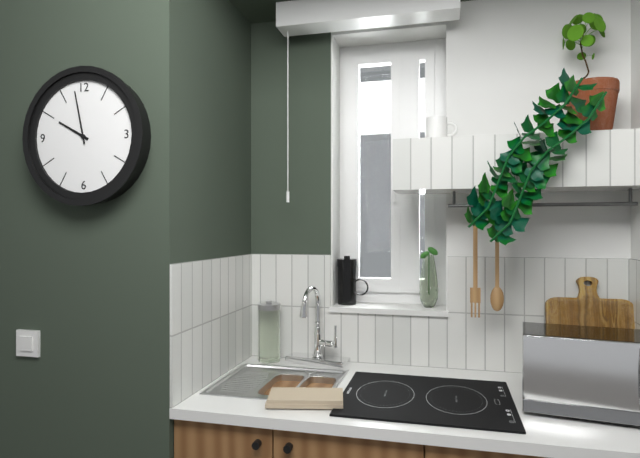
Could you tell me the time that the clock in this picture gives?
9:58
